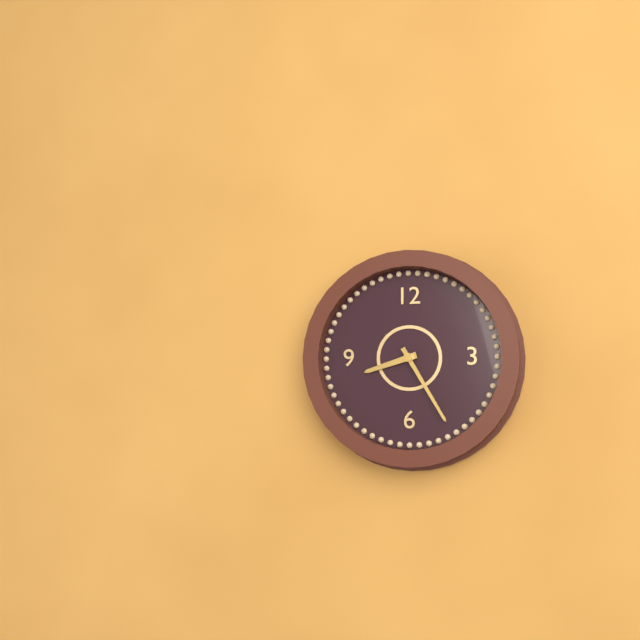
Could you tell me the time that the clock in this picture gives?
8:25
